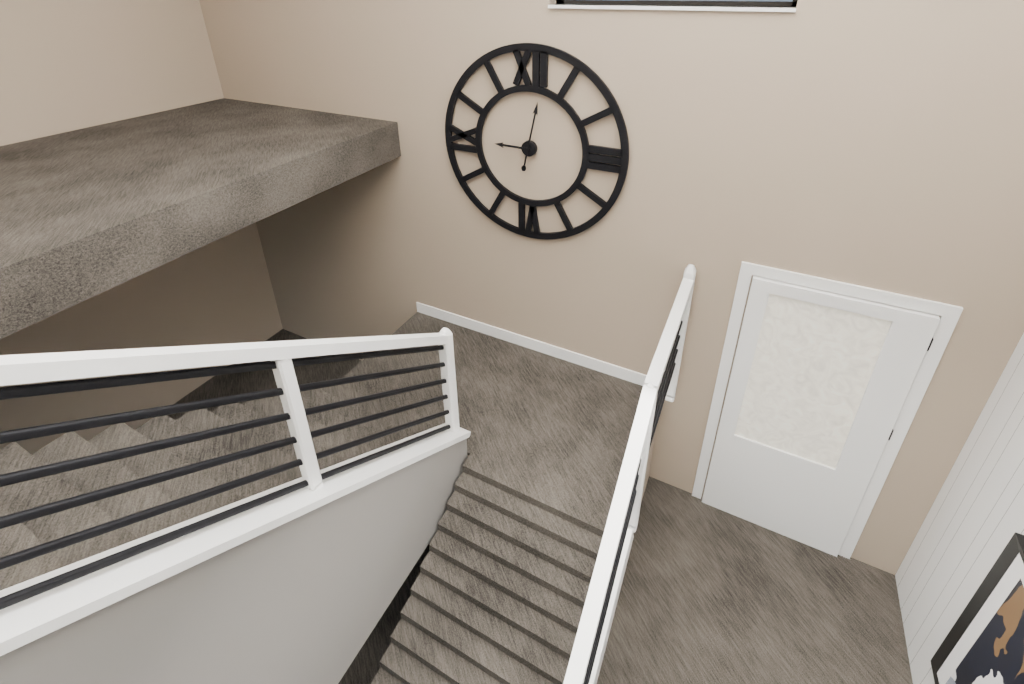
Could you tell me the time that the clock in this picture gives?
9:02
